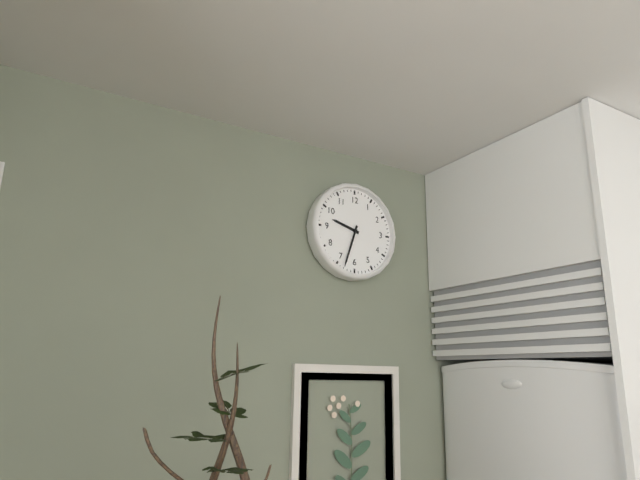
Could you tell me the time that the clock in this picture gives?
9:33
